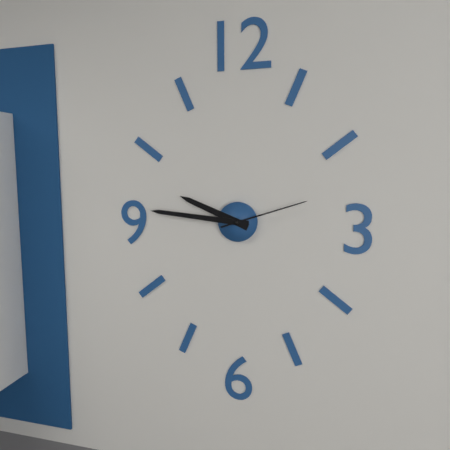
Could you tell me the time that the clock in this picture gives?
9:46:12
